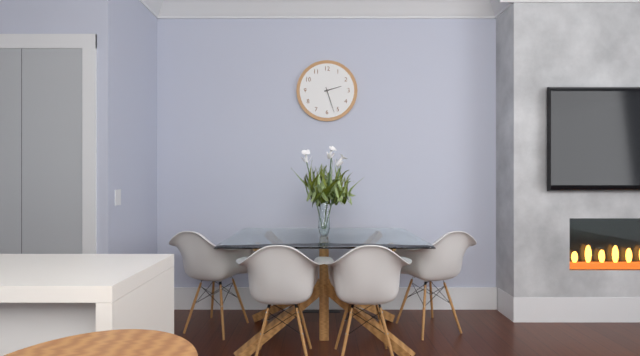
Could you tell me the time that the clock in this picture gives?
2:27
